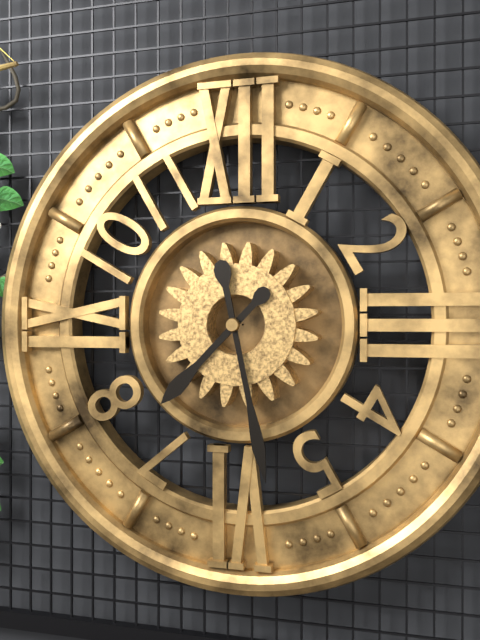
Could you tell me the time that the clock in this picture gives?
7:28
